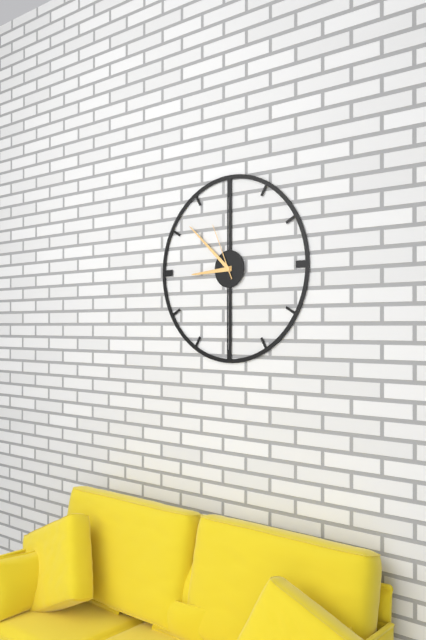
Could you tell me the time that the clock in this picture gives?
8:52:56
